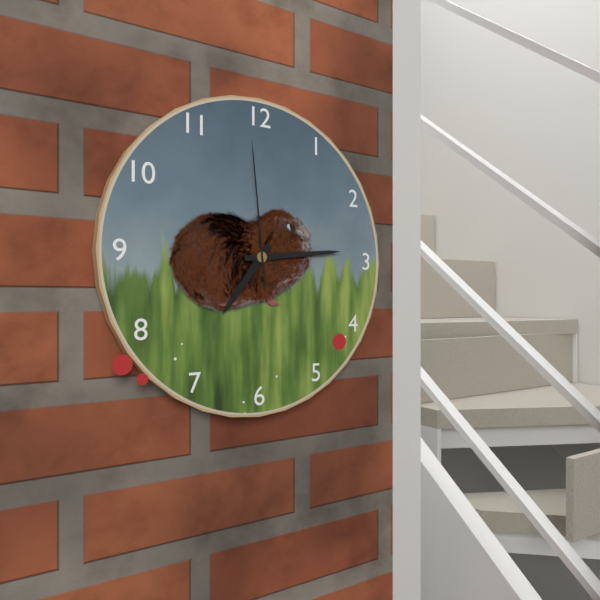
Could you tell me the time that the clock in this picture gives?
7:14:59
